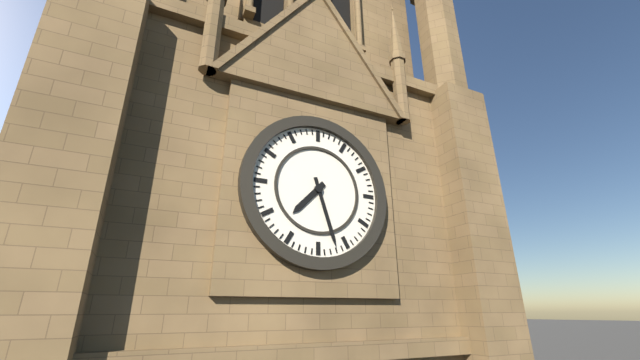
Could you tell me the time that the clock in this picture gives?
7:27
